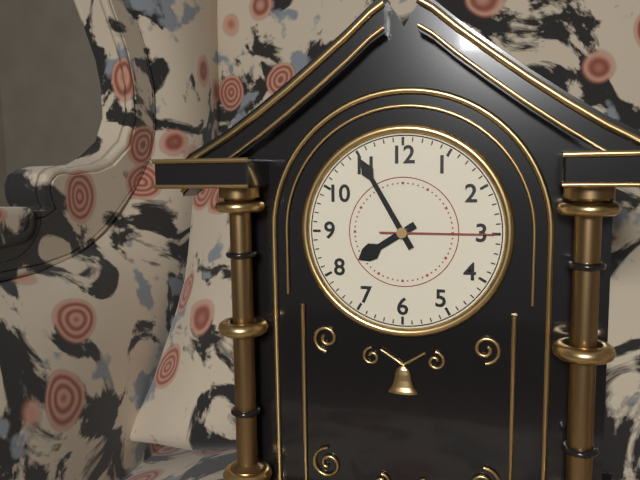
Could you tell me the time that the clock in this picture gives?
7:55:15
